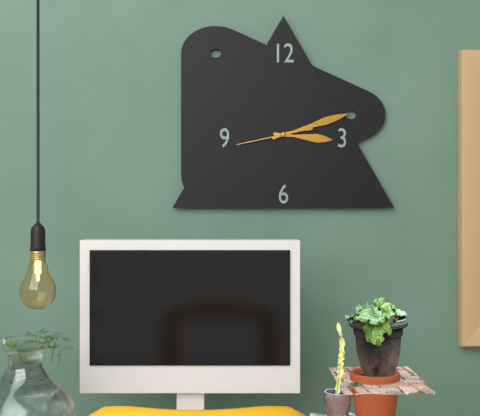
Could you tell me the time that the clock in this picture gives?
3:12:43
